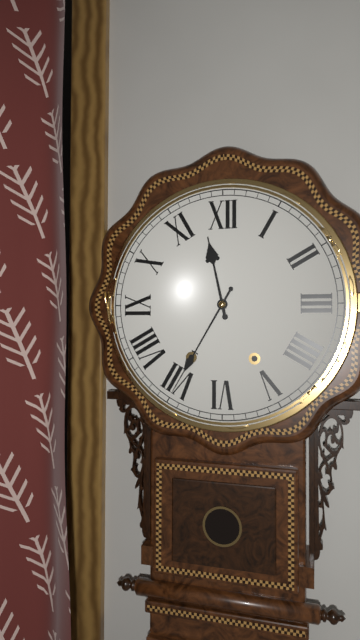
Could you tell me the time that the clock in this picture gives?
11:35
